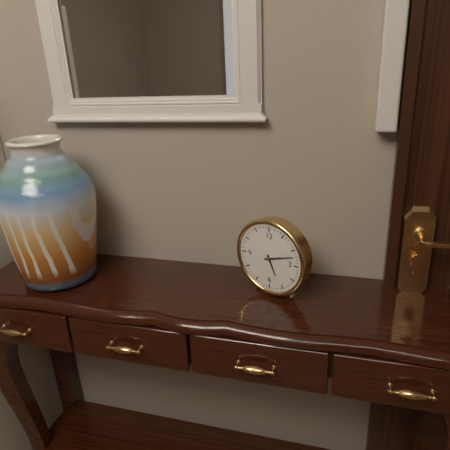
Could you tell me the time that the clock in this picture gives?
5:12
